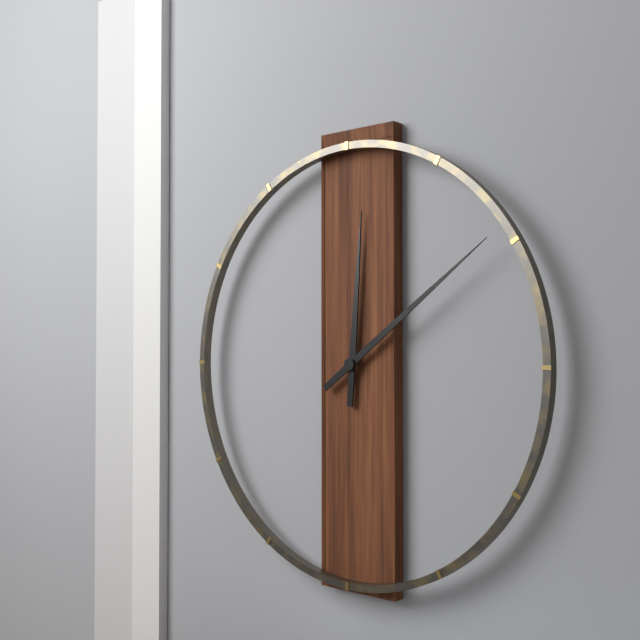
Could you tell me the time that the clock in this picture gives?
12:09
